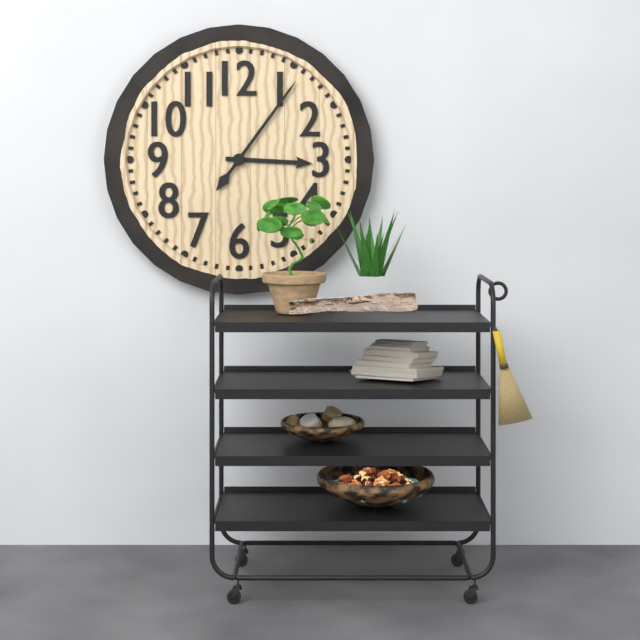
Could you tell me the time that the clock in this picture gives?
3:06
